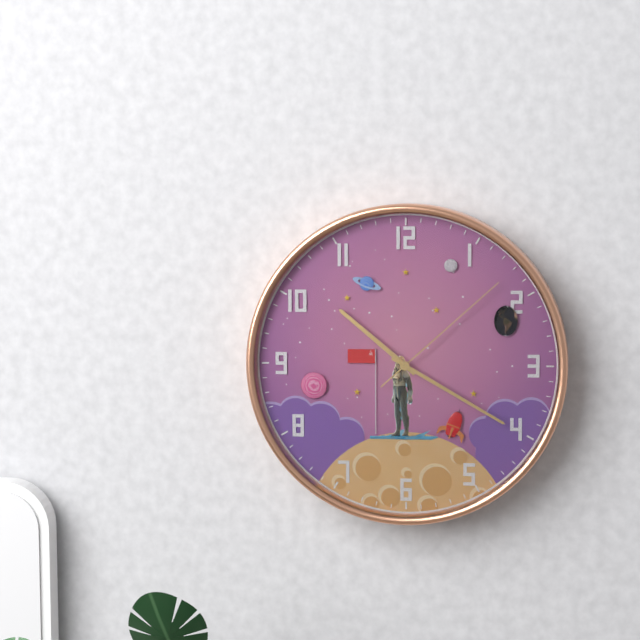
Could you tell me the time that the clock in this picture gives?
10:20:08
